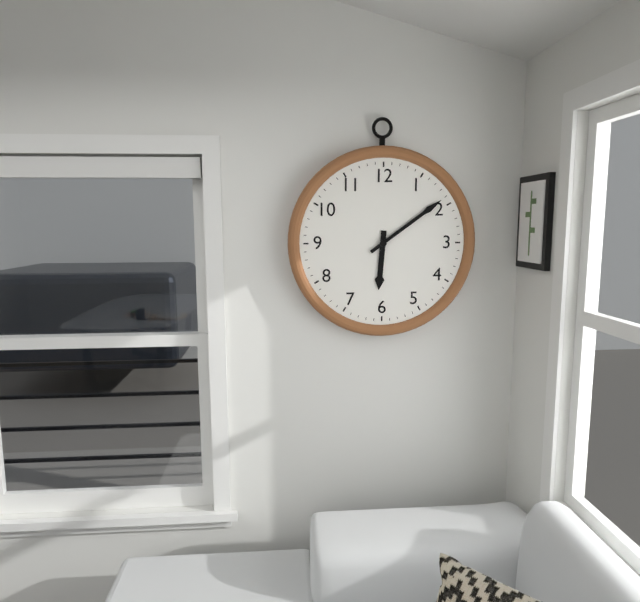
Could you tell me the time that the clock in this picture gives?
6:09
